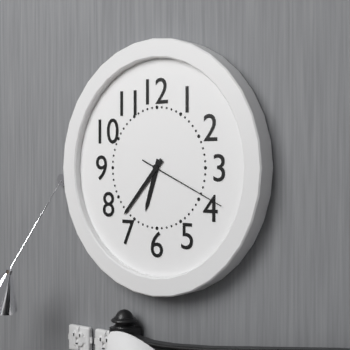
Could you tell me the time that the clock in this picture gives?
6:37:19
